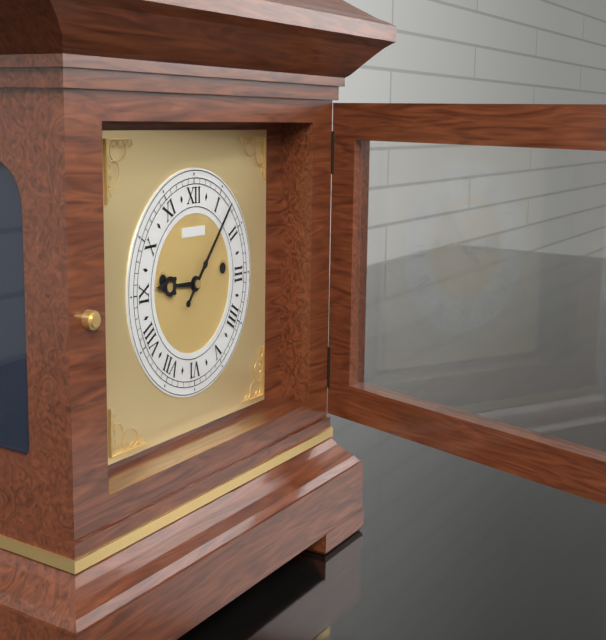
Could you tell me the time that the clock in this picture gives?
9:07
